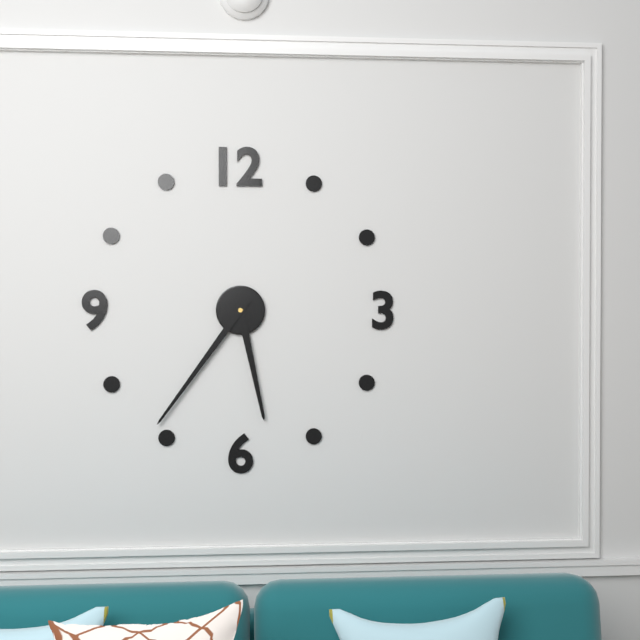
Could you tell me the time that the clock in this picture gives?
5:36
